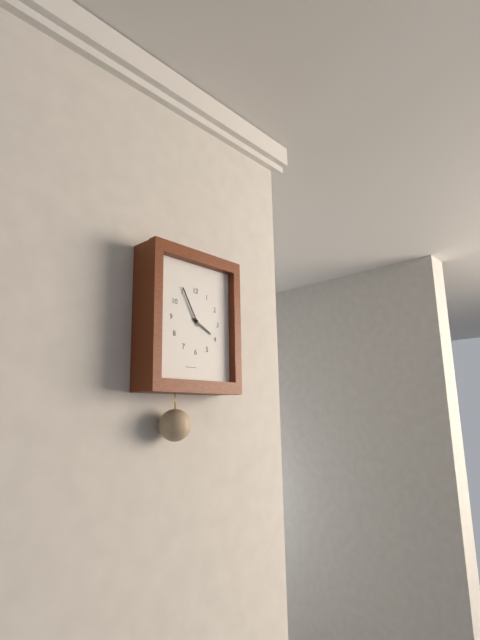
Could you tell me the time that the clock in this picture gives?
3:55
